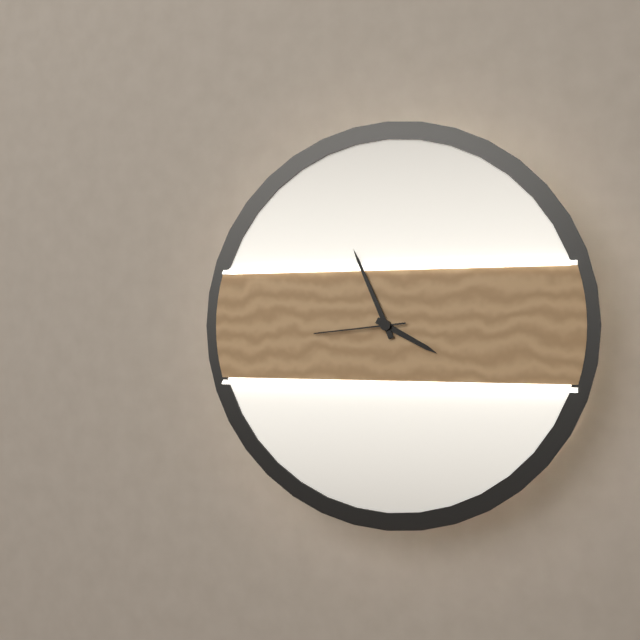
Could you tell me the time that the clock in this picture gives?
3:56:44
